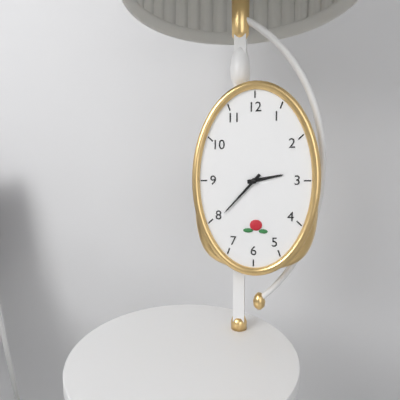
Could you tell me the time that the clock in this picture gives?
2:37
